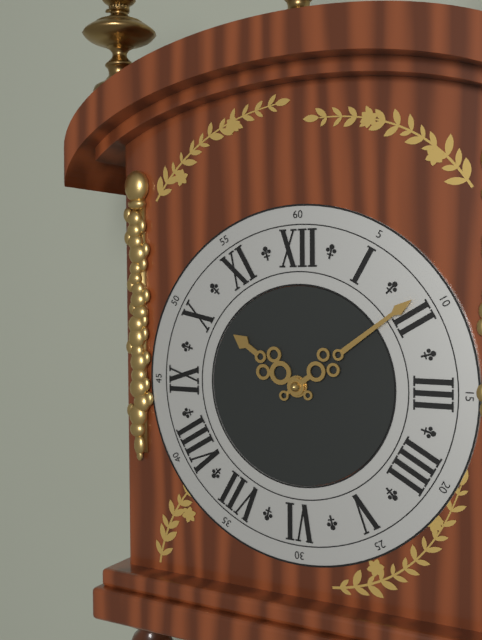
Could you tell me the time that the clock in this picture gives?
10:09
